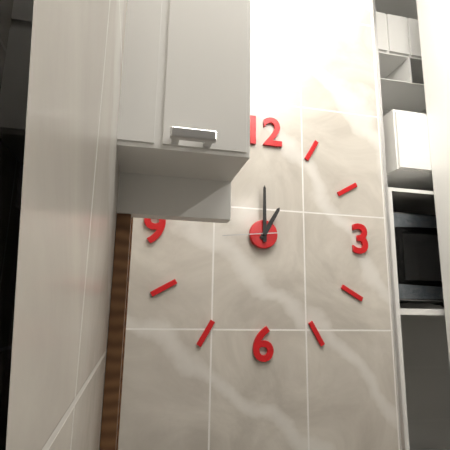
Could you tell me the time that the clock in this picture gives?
1:00:44
